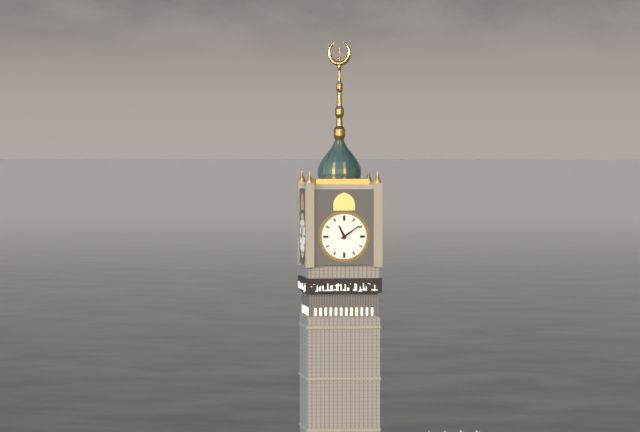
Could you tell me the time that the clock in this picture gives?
11:09
